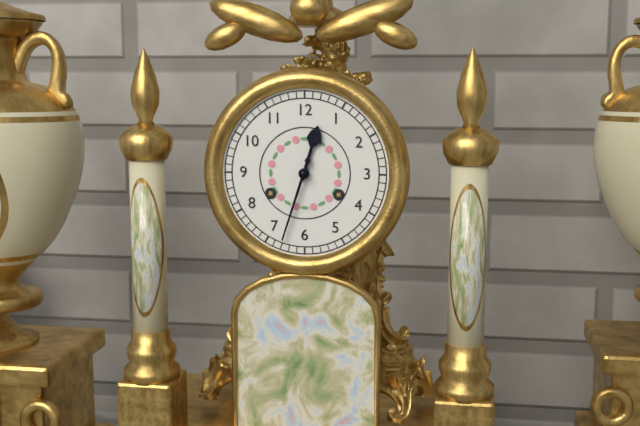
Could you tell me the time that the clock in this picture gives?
12:33
